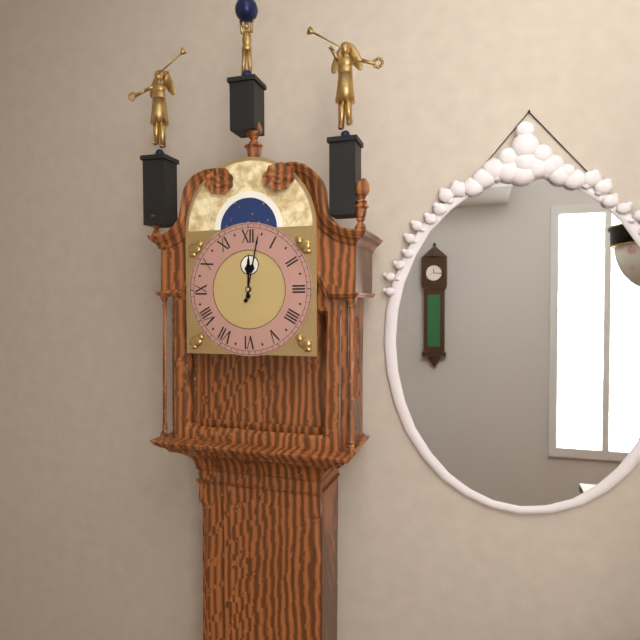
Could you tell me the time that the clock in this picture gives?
12:02
